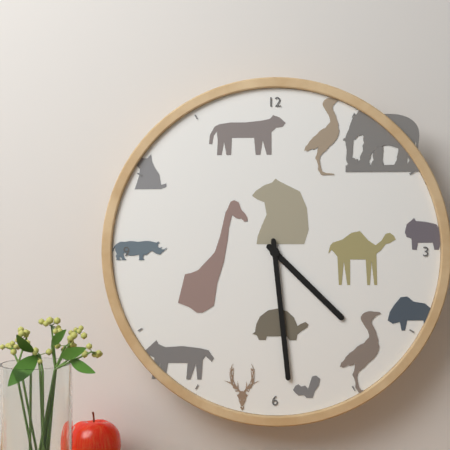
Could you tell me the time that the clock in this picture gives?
4:29
